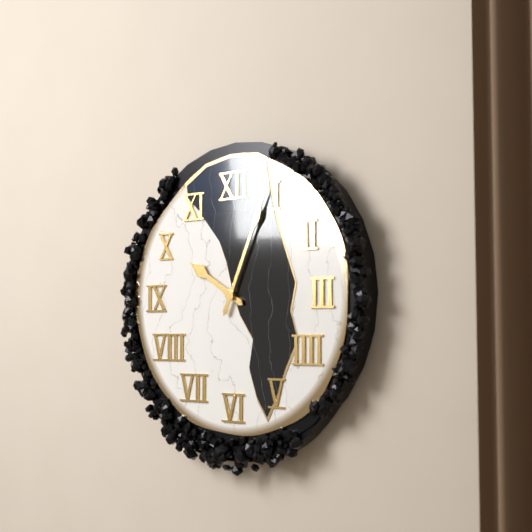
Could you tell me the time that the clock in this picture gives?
10:04
